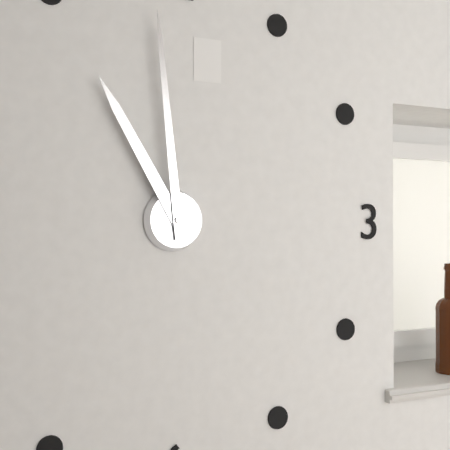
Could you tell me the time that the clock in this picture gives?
10:59
